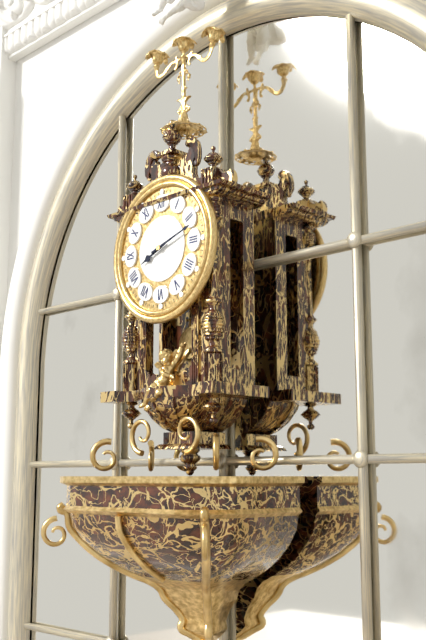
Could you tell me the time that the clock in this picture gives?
8:12
